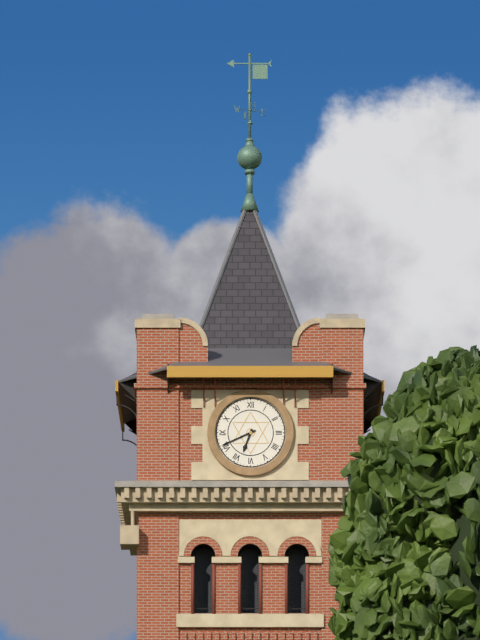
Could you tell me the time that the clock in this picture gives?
6:41
